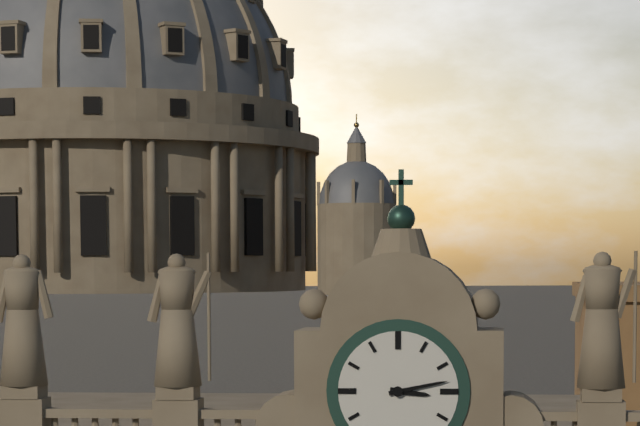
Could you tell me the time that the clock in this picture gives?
3:13
